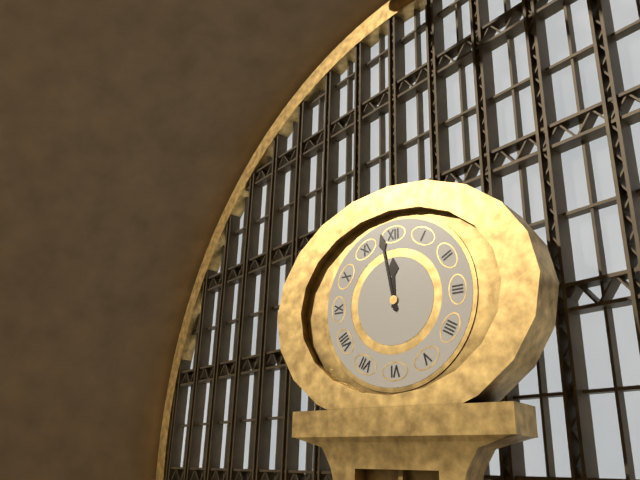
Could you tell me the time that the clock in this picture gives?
11:58
